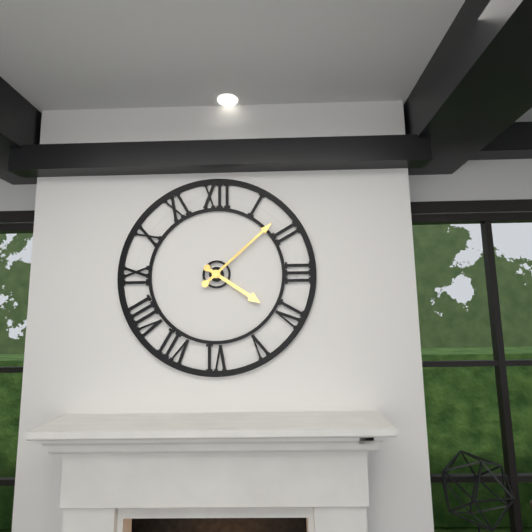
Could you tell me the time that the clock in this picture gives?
4:08
